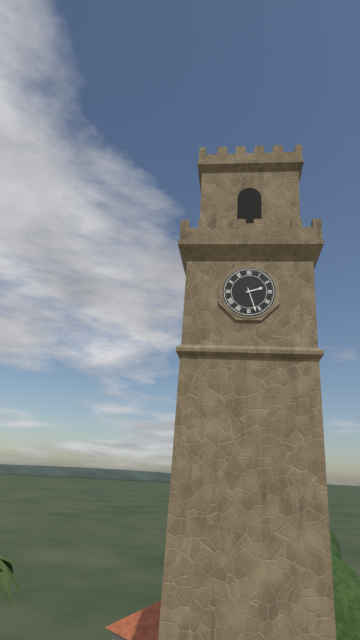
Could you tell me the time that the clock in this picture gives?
2:27
